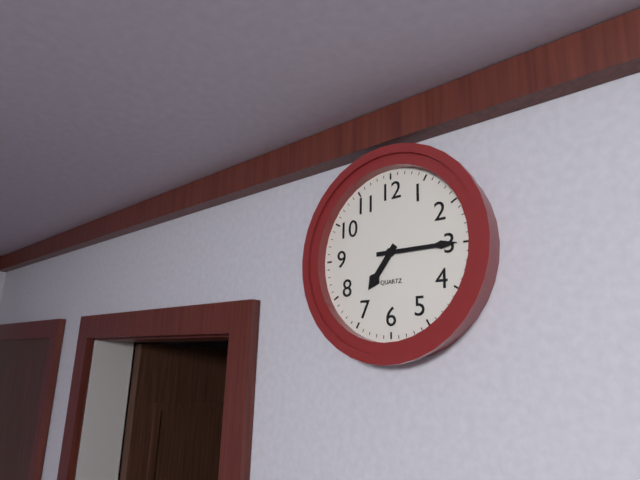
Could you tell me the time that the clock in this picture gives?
7:15
